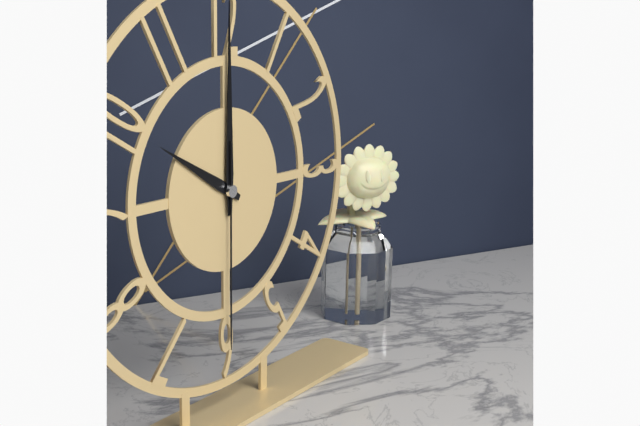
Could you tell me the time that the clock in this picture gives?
10:00:30
